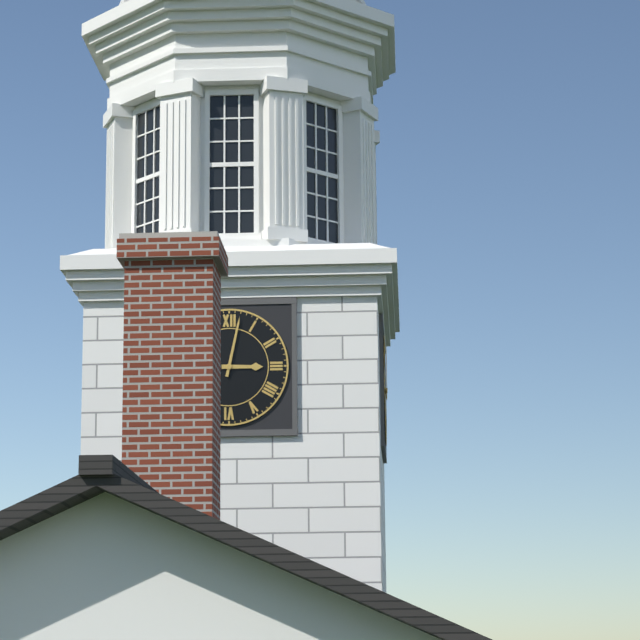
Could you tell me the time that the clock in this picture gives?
3:02
